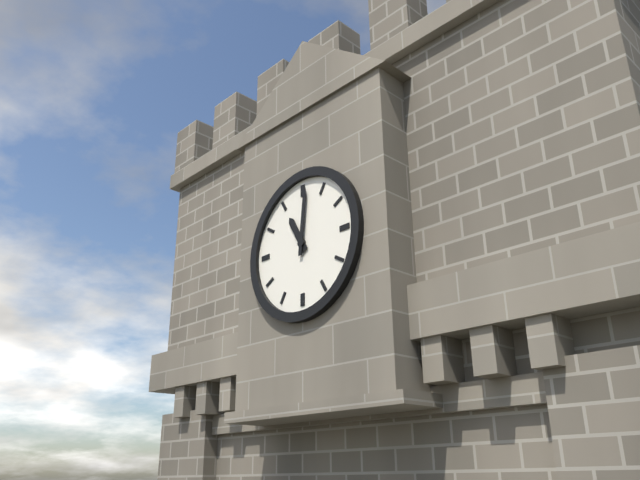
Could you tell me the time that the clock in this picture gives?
11:01
